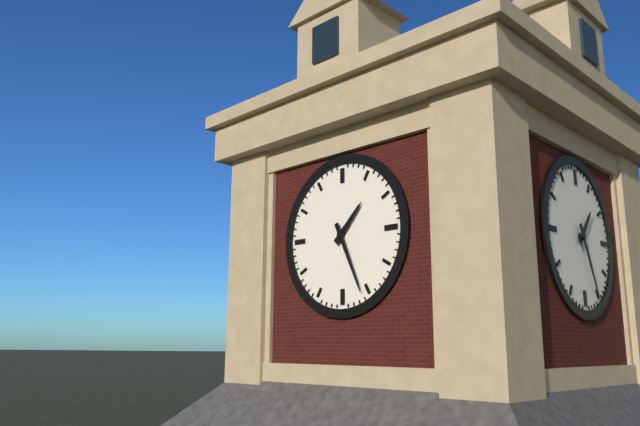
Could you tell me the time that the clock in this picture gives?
1:26
